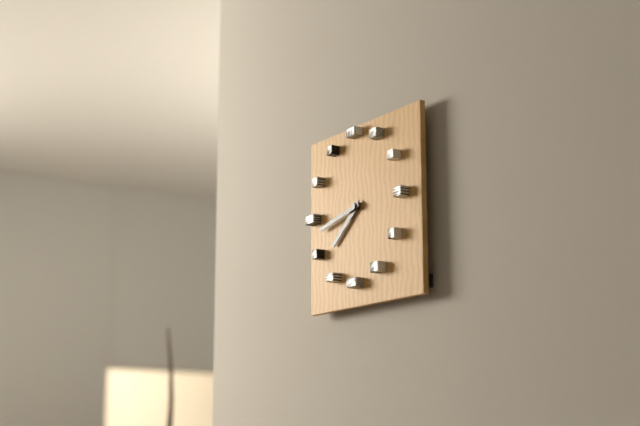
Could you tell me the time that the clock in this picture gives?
7:43
